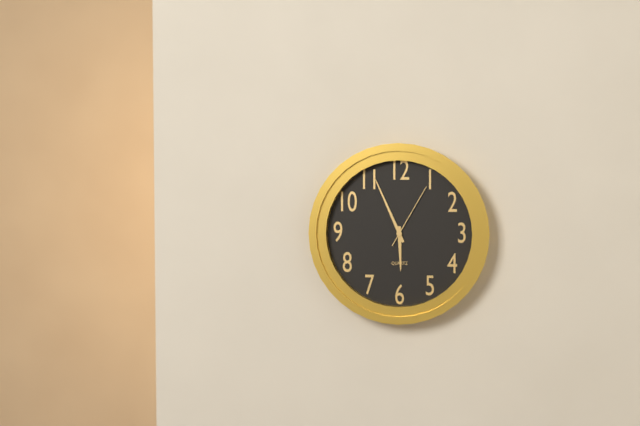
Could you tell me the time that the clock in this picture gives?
5:56:05
